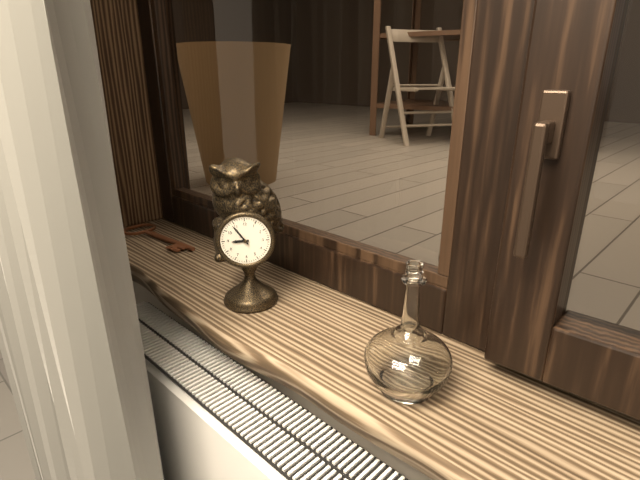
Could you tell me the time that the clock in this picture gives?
8:54
